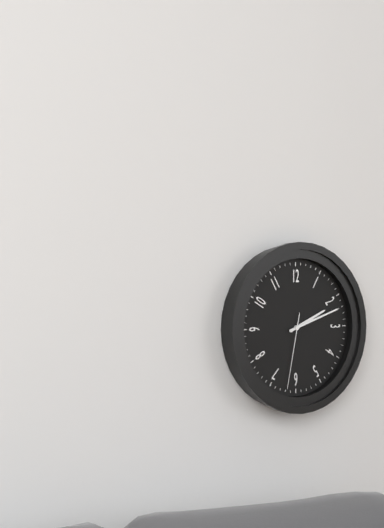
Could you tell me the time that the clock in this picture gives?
2:12:32
